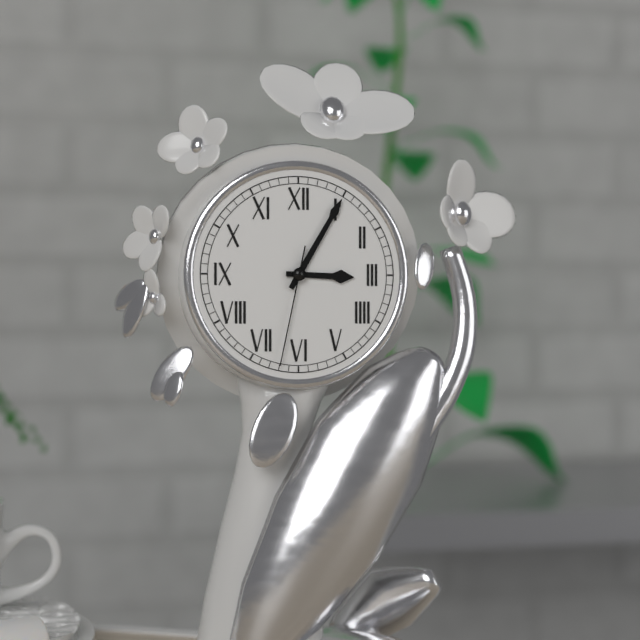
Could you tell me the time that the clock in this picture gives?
3:05:32
